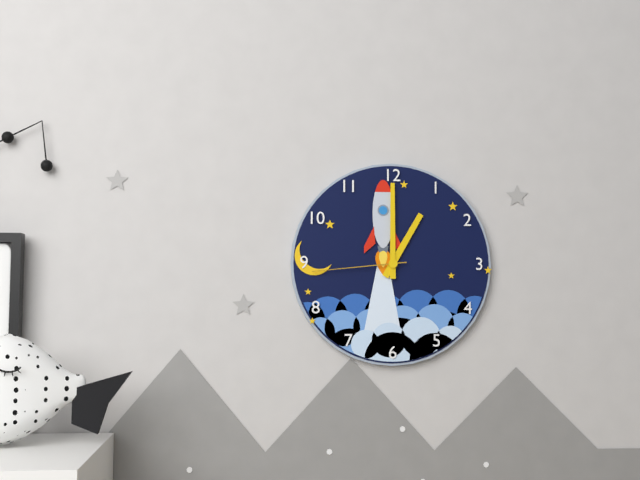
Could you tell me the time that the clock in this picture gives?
1:00:44
